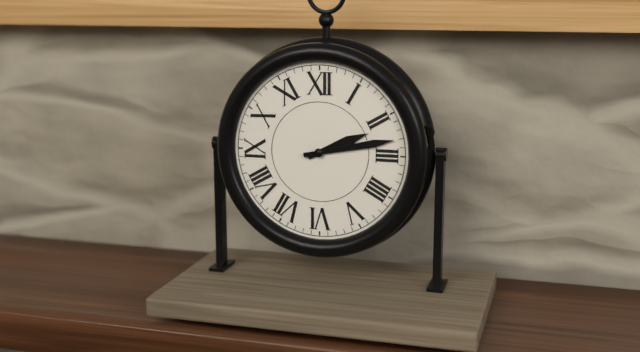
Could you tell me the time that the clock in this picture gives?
2:13
